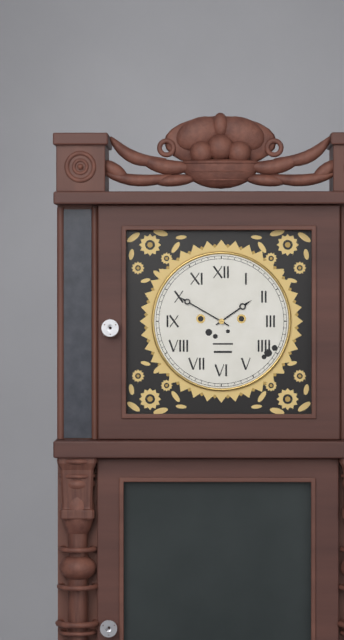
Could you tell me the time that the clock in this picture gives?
1:50
